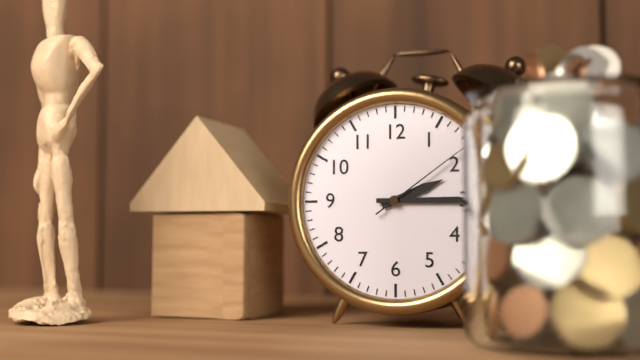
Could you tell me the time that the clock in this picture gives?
2:15:09
